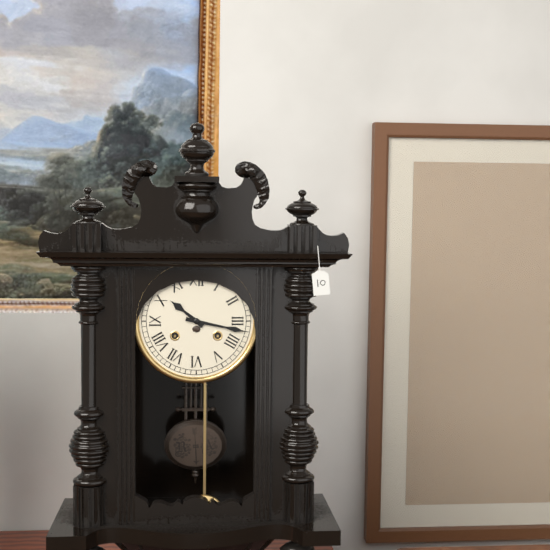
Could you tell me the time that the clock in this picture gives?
10:17
